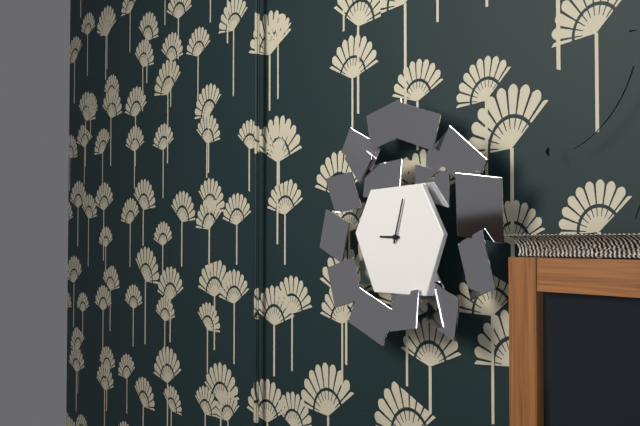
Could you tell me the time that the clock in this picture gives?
9:03
